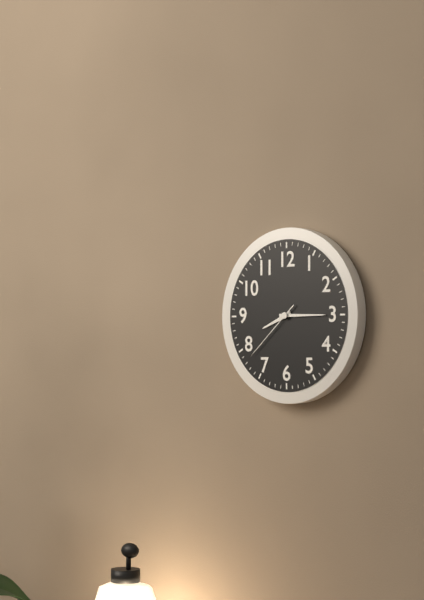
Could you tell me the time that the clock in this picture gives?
8:15:38
